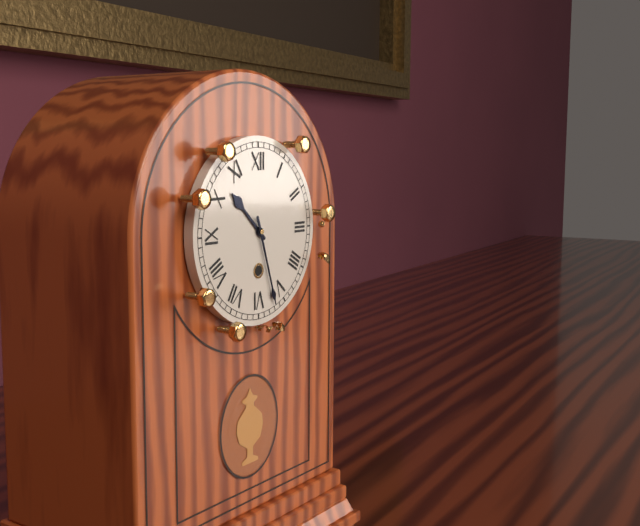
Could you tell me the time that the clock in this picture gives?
10:27
